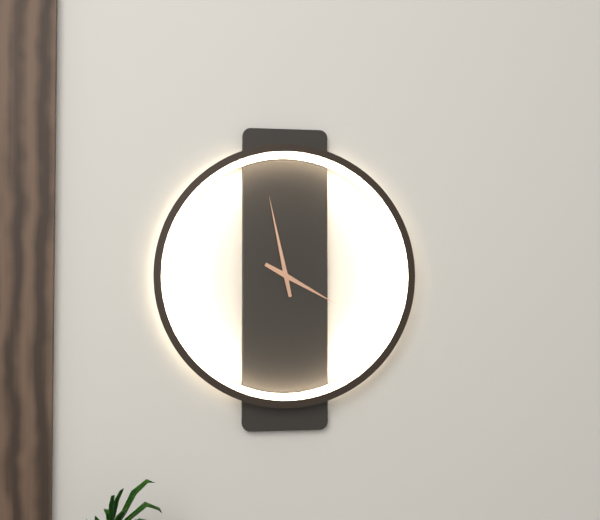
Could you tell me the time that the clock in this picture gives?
3:58
